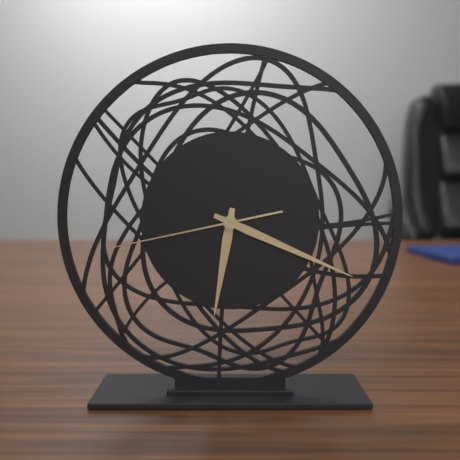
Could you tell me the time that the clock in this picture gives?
6:19:43
